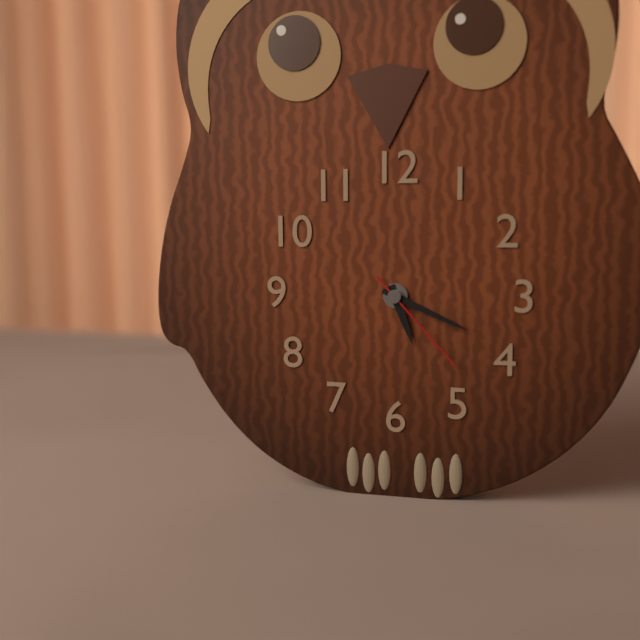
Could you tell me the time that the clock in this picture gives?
5:19:23
